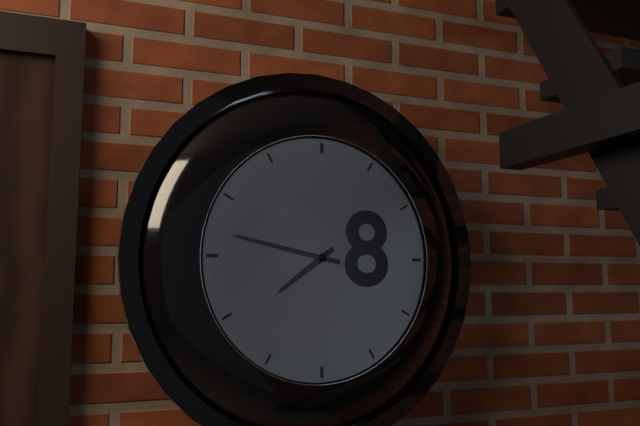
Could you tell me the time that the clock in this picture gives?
7:47
